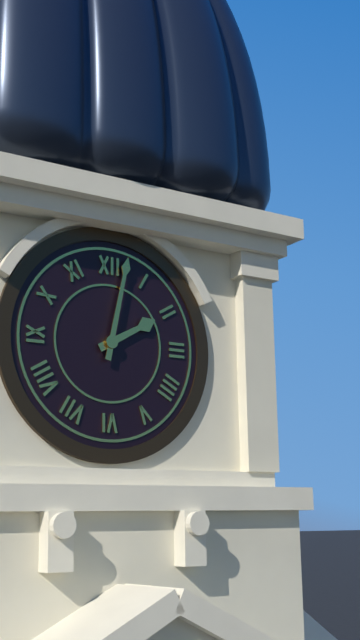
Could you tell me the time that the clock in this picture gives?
2:02
